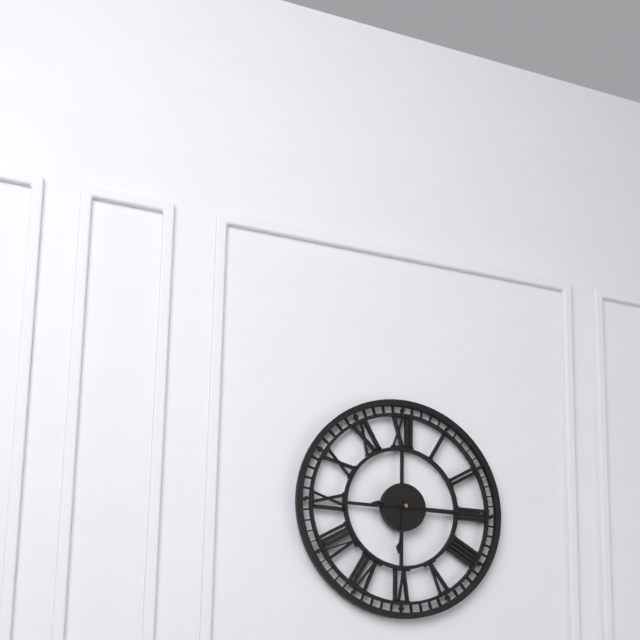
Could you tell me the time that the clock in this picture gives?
6:15
